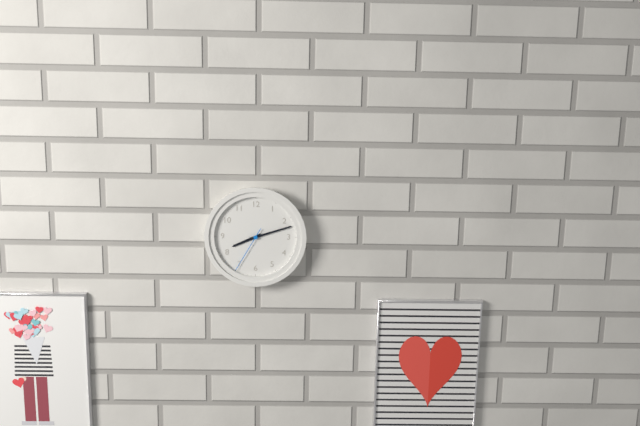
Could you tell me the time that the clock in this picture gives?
8:12
